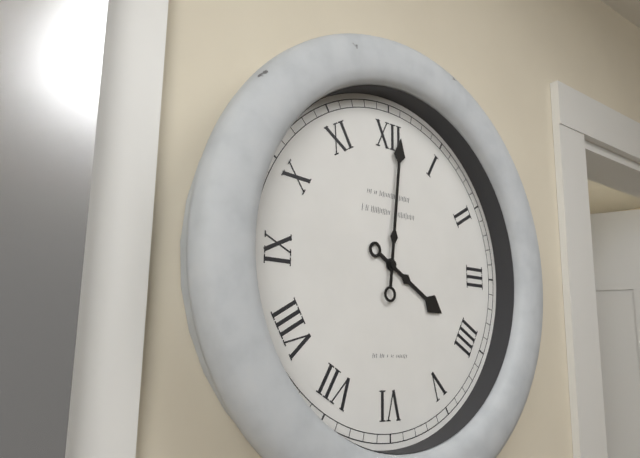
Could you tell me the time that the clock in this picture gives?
4:01
